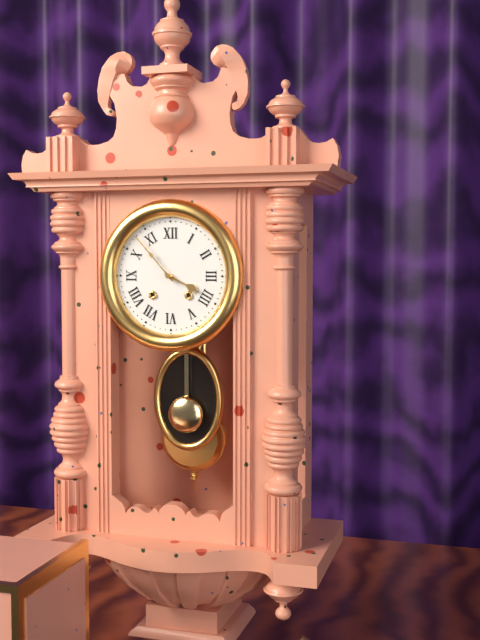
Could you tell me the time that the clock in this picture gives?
3:53
